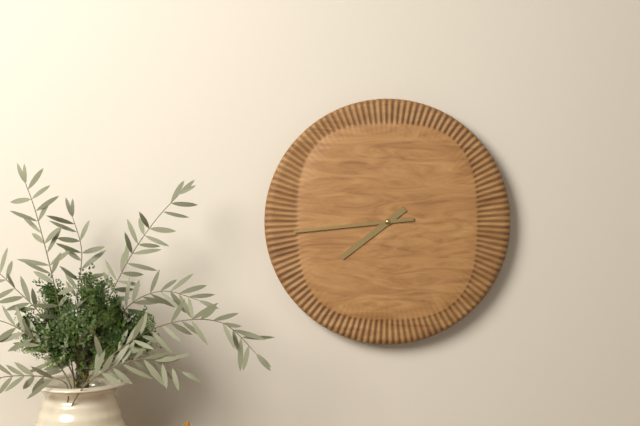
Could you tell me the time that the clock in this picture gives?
7:44
